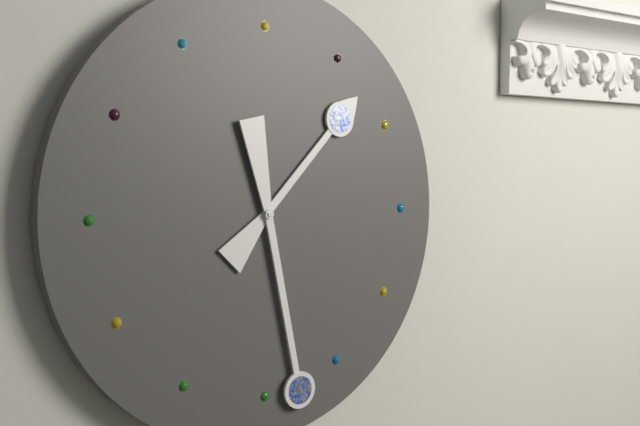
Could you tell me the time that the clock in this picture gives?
1:28
